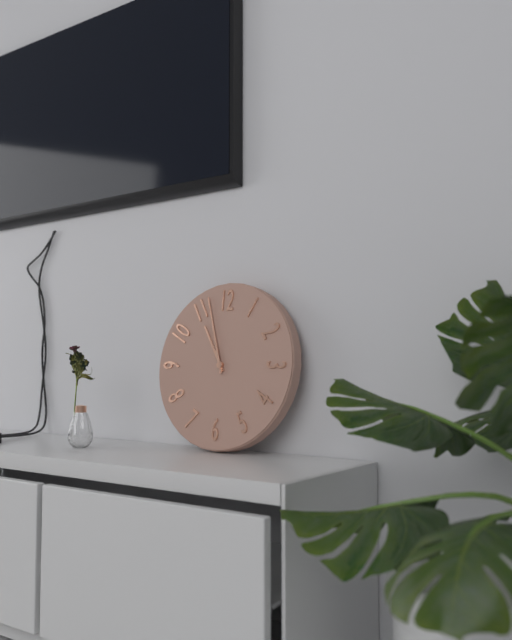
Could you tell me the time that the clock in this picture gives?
10:57
